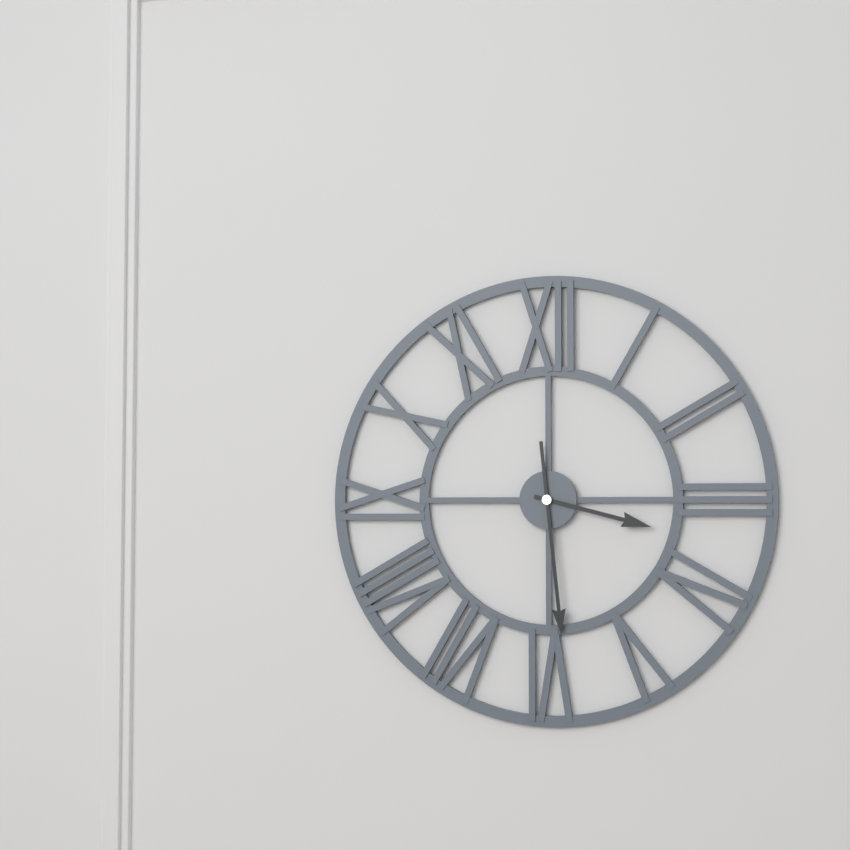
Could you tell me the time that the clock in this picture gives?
3:29
